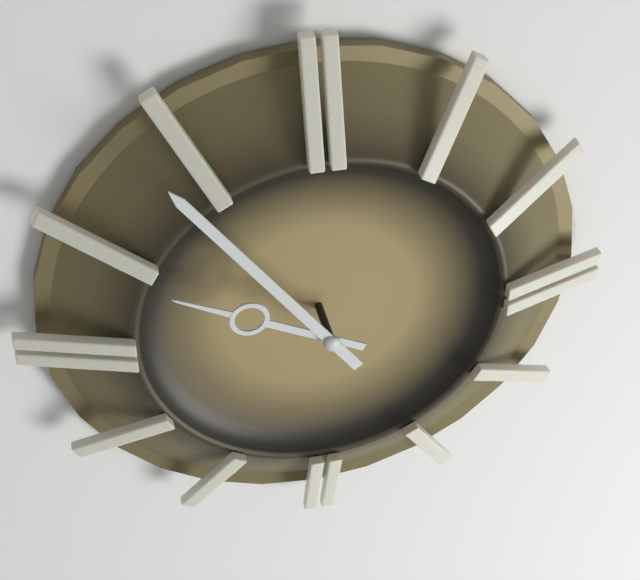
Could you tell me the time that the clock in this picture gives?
9:54
